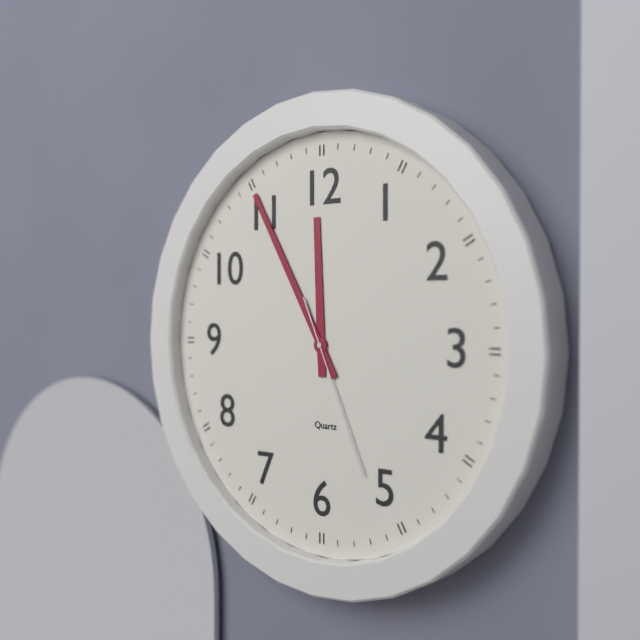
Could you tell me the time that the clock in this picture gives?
11:55:26
